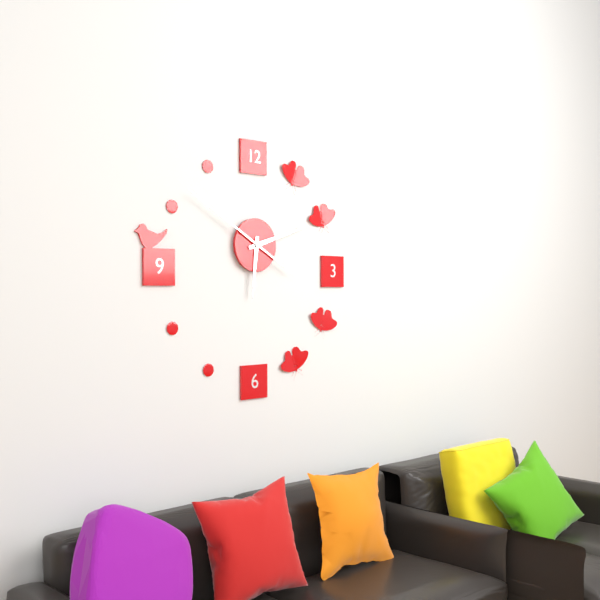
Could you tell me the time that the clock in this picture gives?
6:12:50
